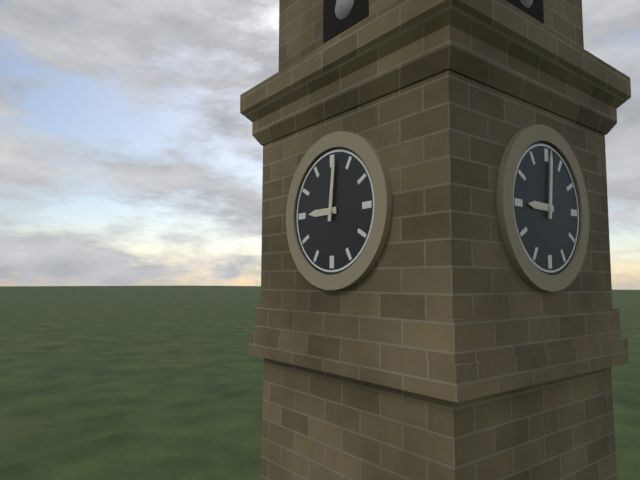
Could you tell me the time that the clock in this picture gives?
9:01
